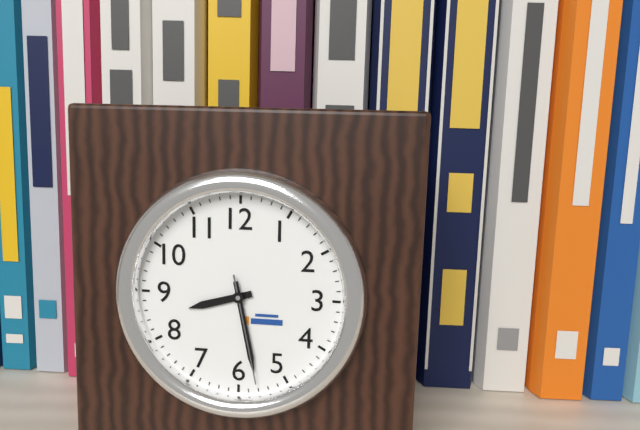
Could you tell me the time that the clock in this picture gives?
8:28:28
